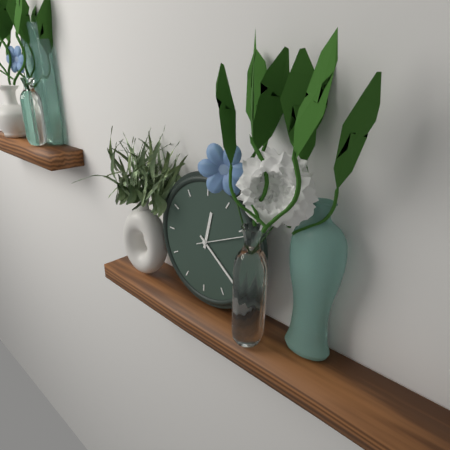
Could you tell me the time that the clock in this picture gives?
12:21:11
